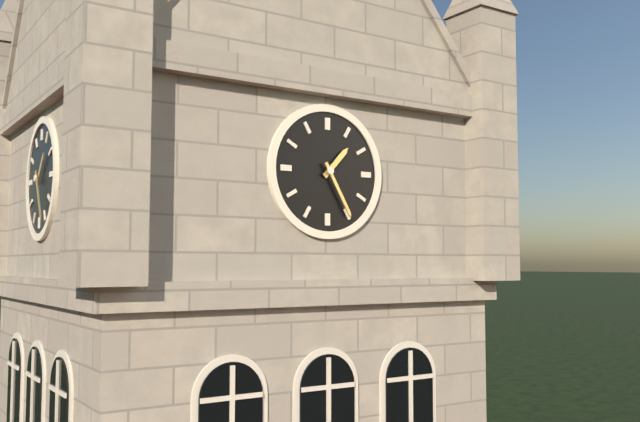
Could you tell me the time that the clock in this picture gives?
1:25
